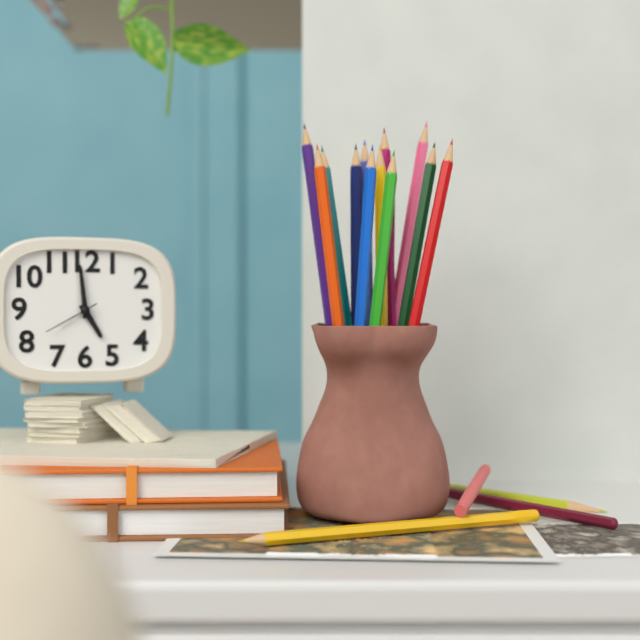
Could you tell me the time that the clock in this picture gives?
4:59:40
